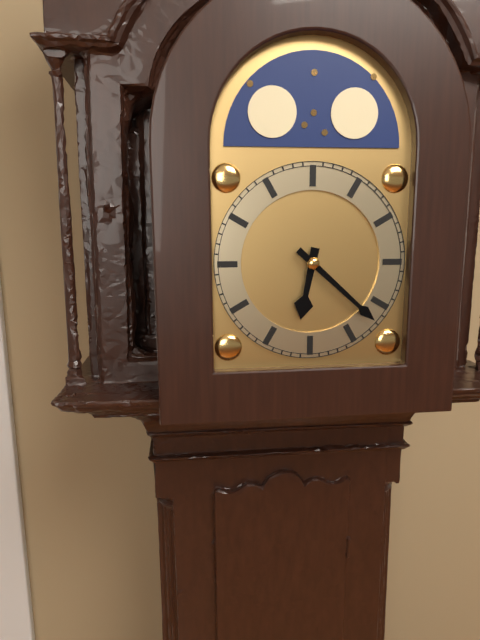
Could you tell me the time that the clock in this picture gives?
6:22
